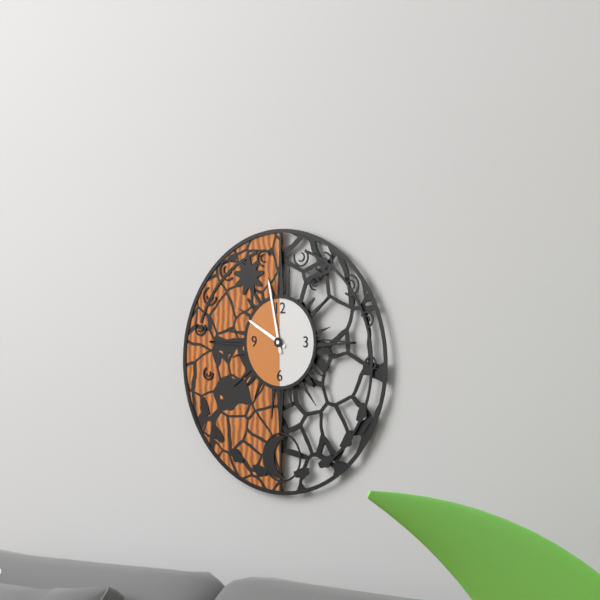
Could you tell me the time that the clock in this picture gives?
9:58
